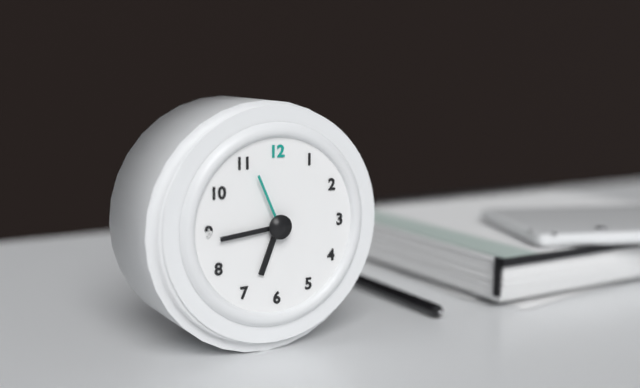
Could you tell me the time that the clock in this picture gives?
6:44:56
